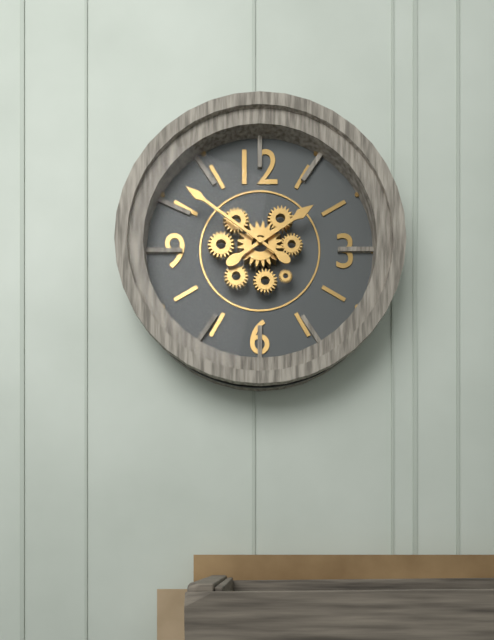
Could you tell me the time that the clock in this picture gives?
1:51
